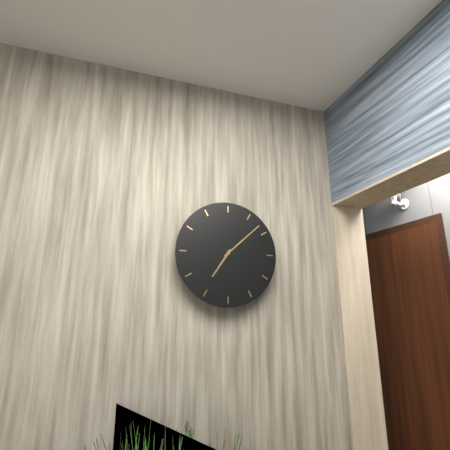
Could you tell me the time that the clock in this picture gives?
7:08
